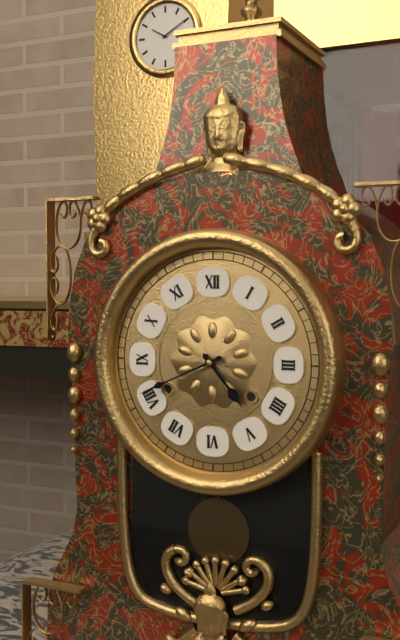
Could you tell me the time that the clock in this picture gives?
4:41
